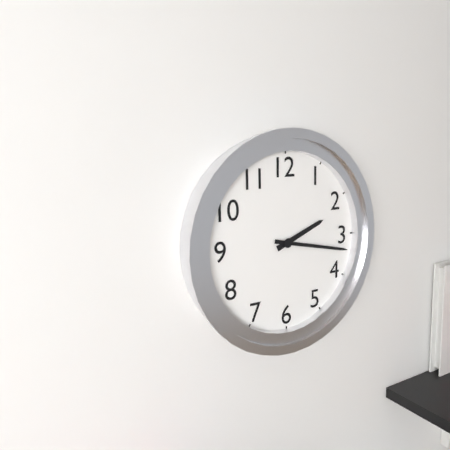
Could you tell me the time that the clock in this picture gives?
2:17
